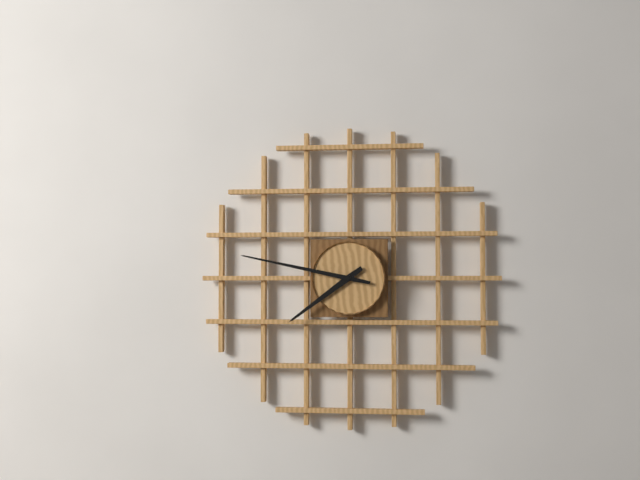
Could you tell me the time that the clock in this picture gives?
7:47
